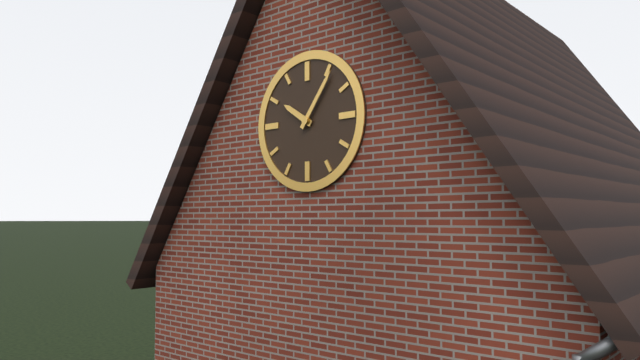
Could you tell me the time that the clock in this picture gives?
10:06
